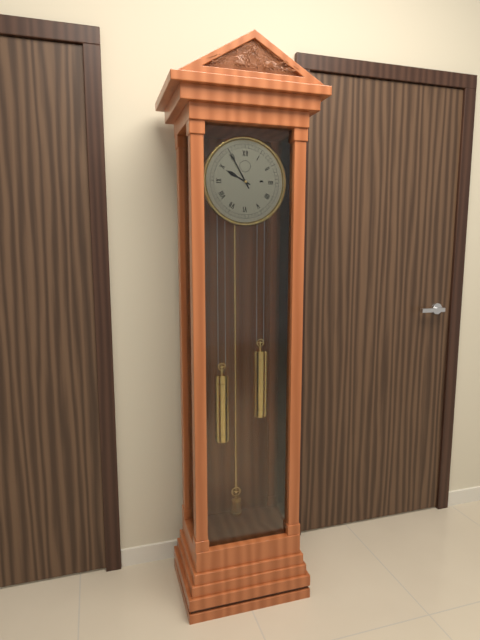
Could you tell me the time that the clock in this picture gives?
9:55
